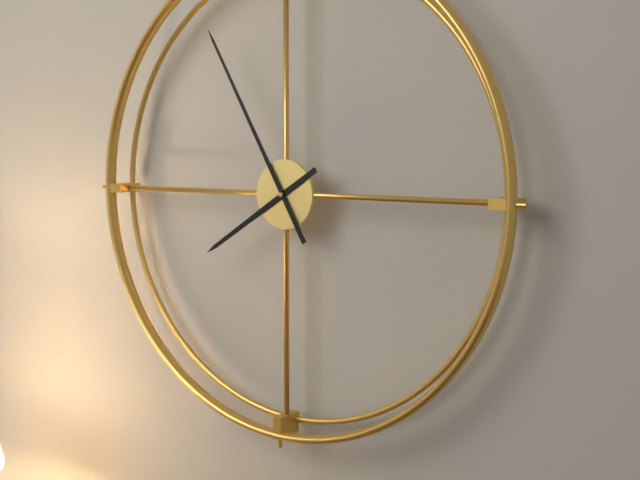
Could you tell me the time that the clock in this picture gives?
7:55
